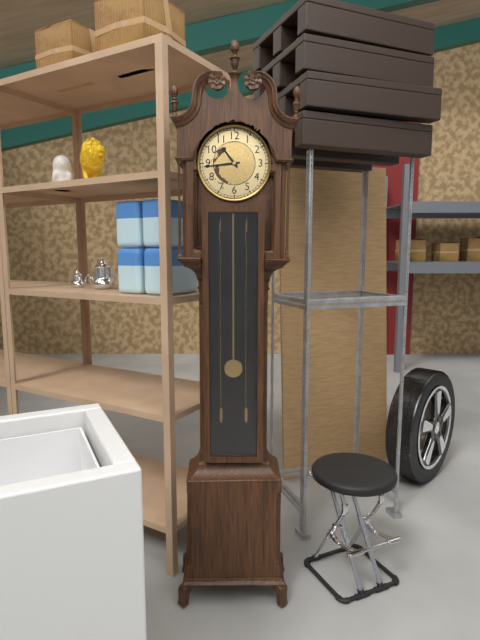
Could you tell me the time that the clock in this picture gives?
10:44
